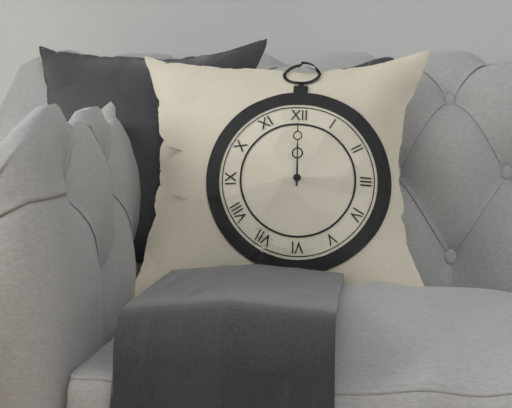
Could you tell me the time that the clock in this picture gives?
12:00
